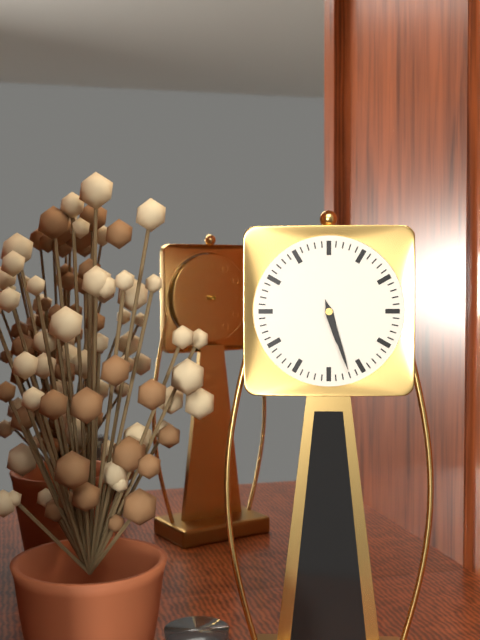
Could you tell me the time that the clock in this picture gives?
5:27
